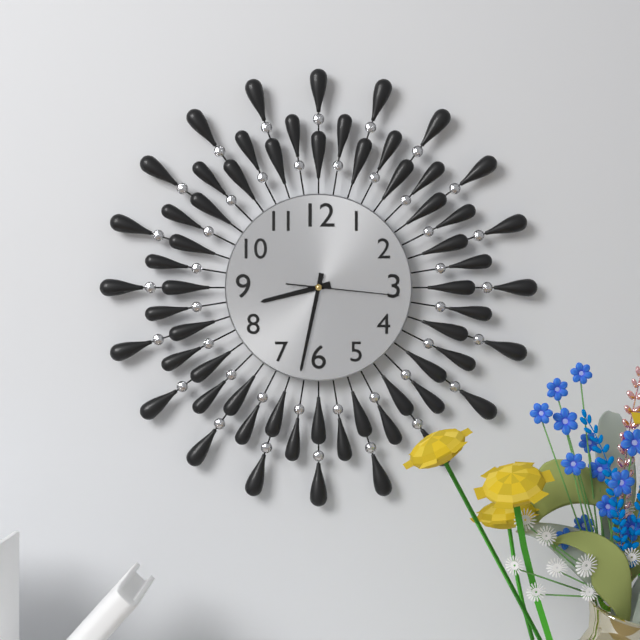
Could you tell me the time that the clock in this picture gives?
8:32:16
